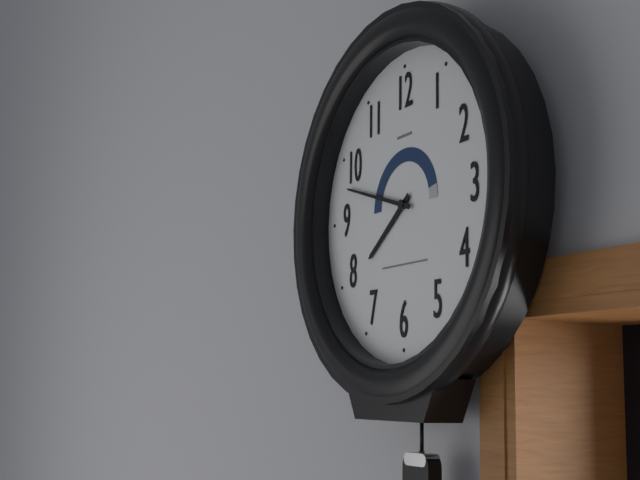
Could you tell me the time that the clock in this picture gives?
7:48
